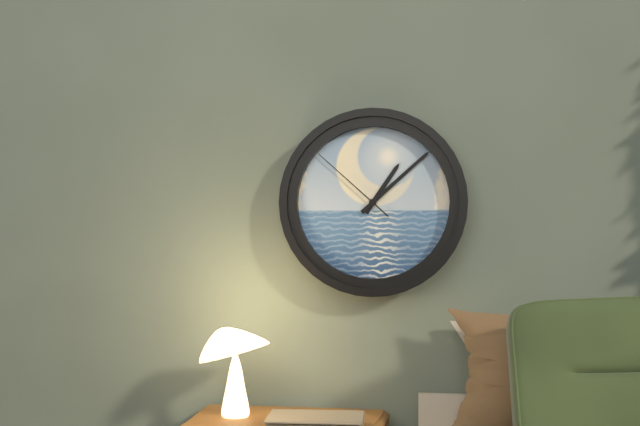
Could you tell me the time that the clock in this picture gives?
1:08:52
